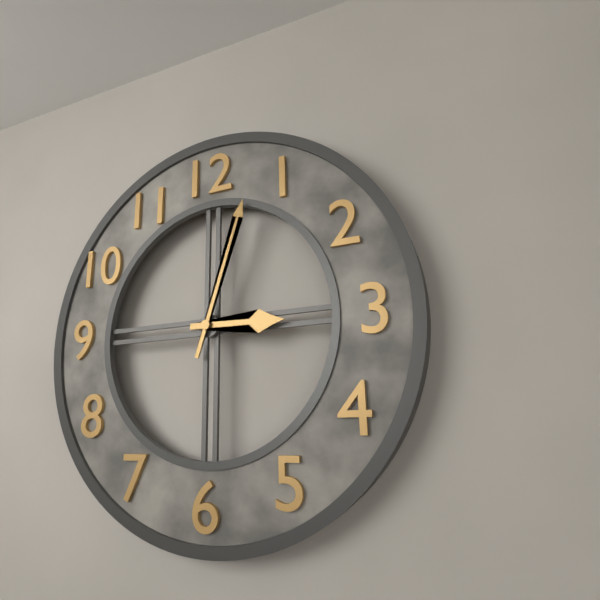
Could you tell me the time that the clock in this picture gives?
3:03
